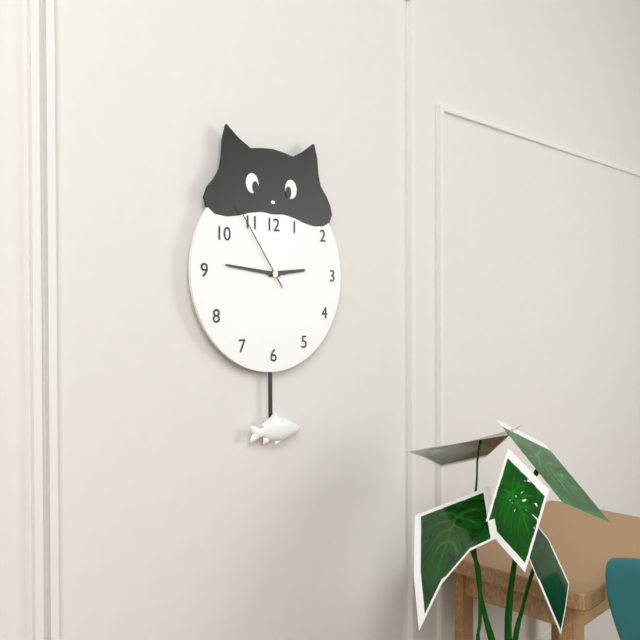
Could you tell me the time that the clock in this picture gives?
2:46:54
